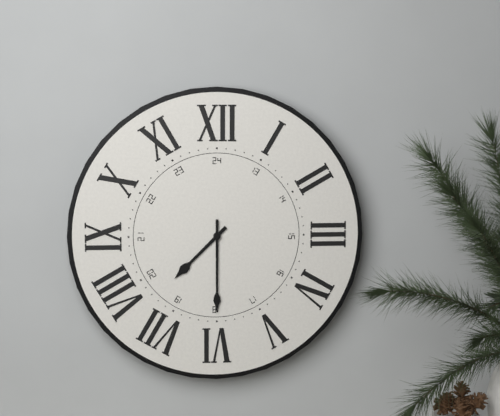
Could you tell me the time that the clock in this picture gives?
7:30
